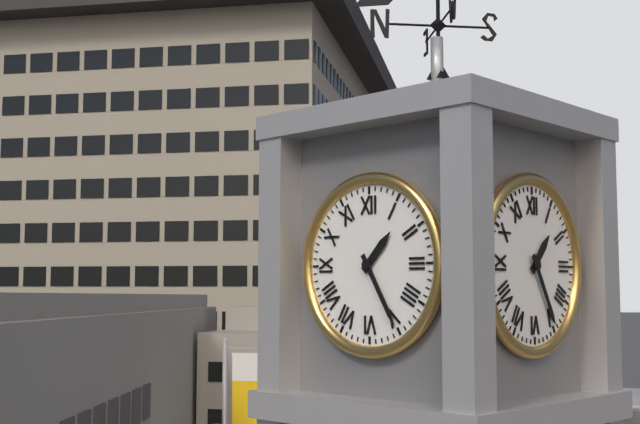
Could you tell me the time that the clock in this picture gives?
1:25
